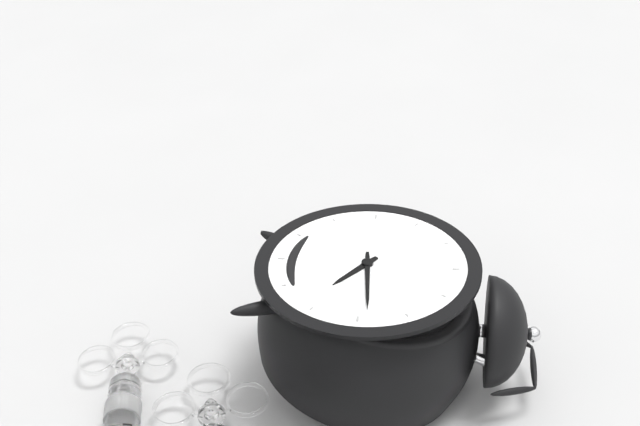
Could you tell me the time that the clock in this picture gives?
4:14
